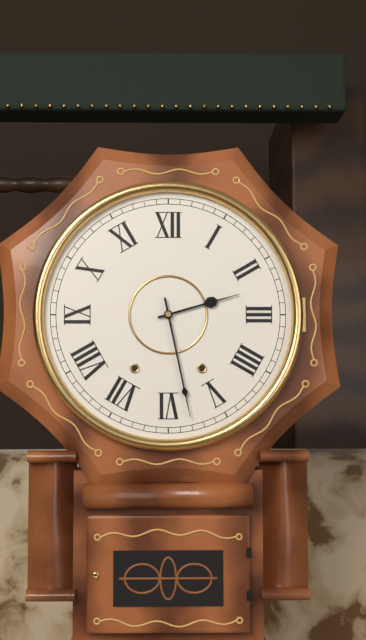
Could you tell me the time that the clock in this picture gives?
2:28
